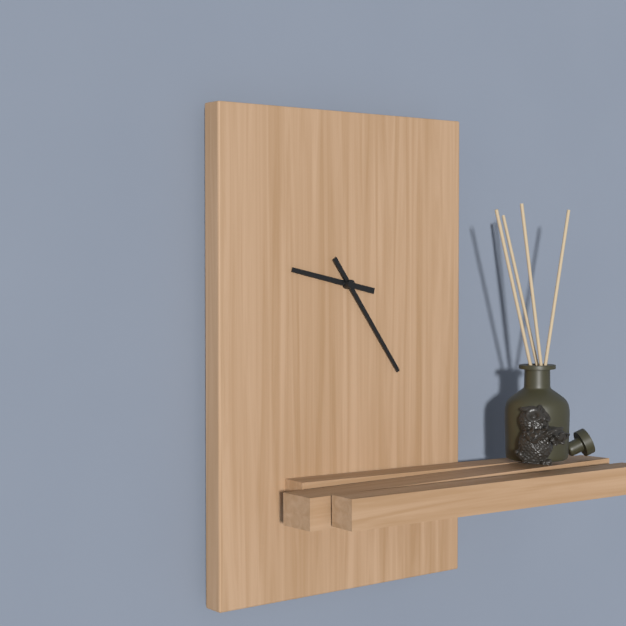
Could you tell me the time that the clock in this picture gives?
9:24
